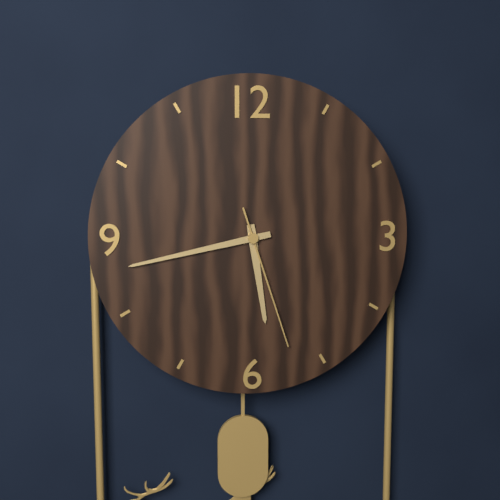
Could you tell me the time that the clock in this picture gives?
5:43:27
